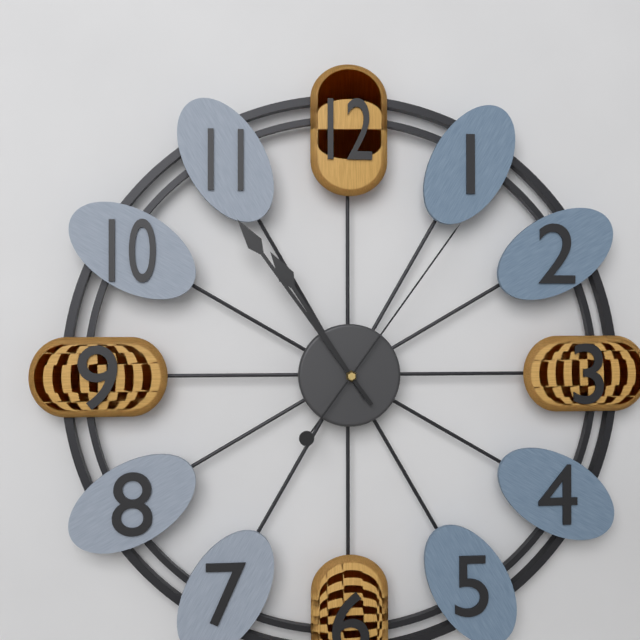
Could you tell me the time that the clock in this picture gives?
10:54:06
